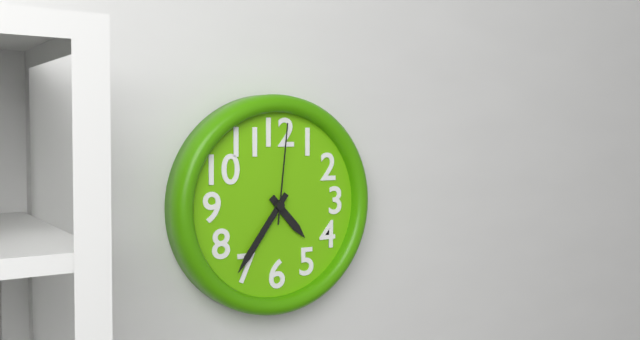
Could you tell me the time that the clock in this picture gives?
4:36:01
